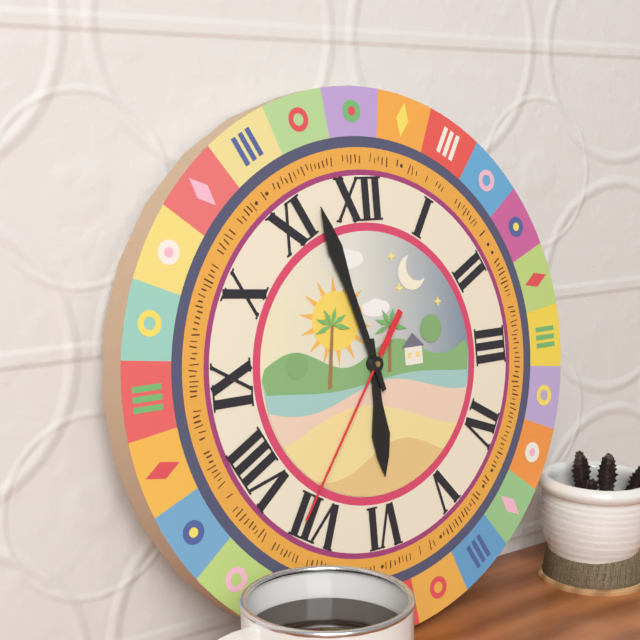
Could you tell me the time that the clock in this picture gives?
5:57:36
